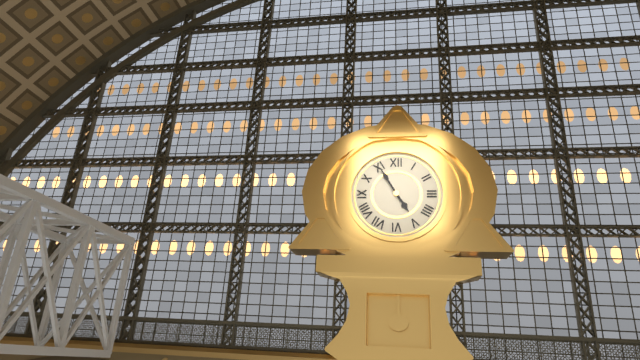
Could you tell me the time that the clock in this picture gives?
4:55
